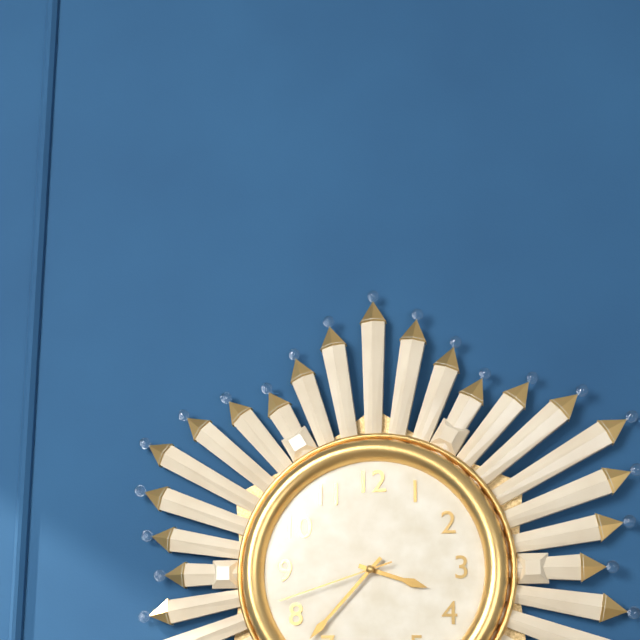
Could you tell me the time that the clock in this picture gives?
3:37:42
